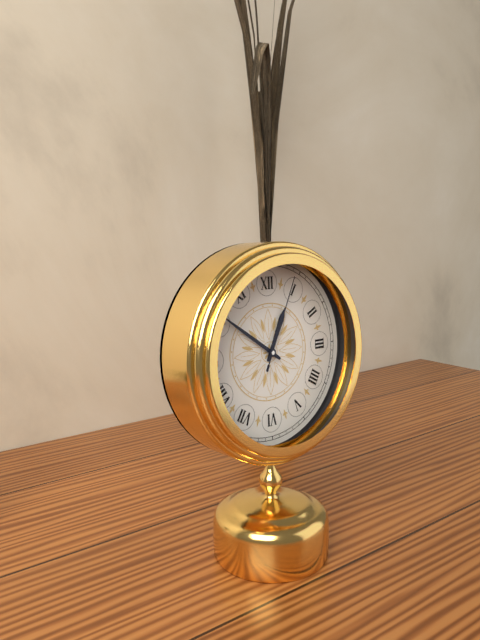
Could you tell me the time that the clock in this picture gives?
12:51:04
